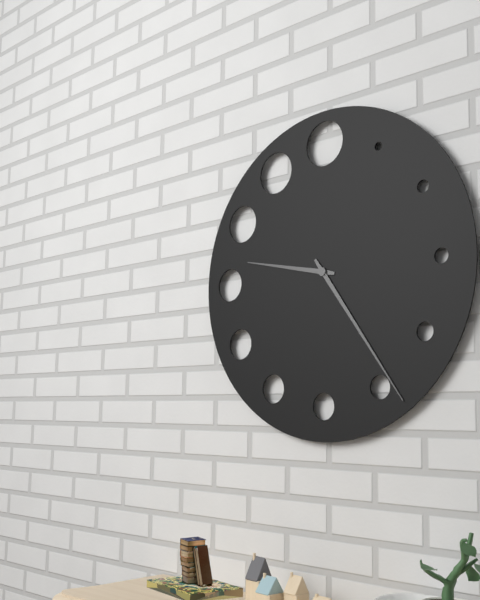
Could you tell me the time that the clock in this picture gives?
9:24
